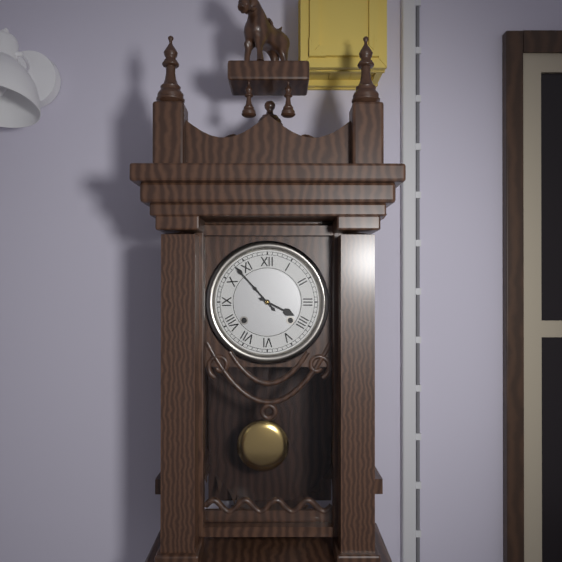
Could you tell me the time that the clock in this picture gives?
3:53
